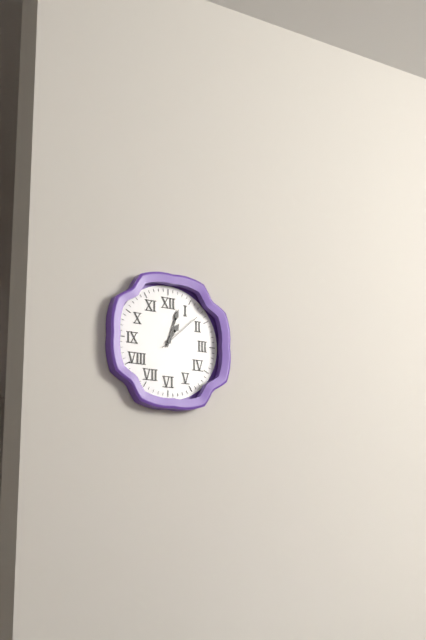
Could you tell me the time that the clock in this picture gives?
1:03
